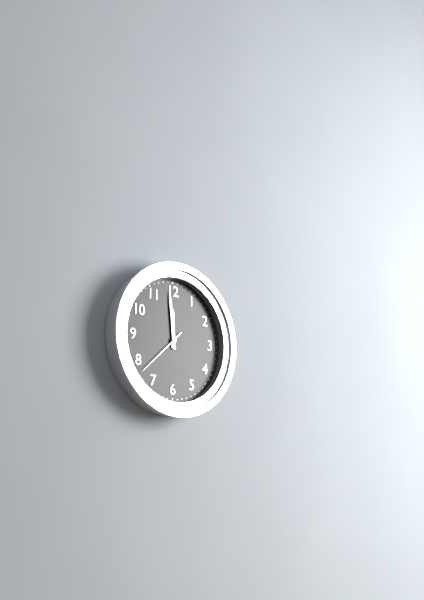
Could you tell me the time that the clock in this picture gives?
11:59:38
